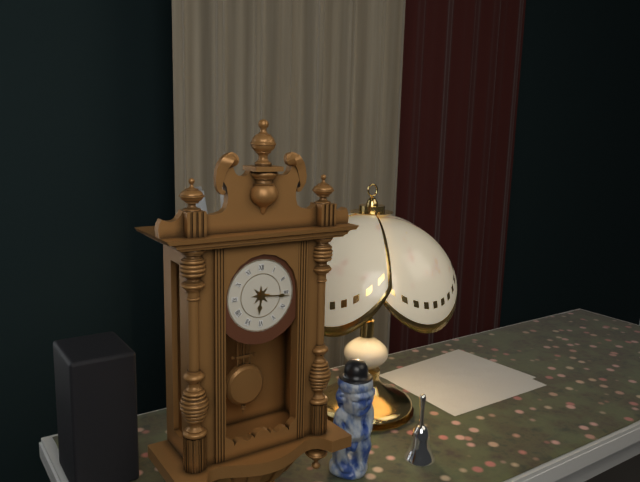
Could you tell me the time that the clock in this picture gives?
6:16
